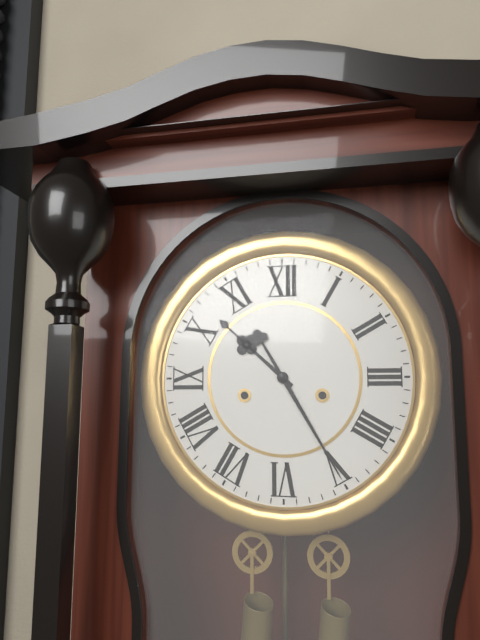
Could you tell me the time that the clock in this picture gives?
10:25
